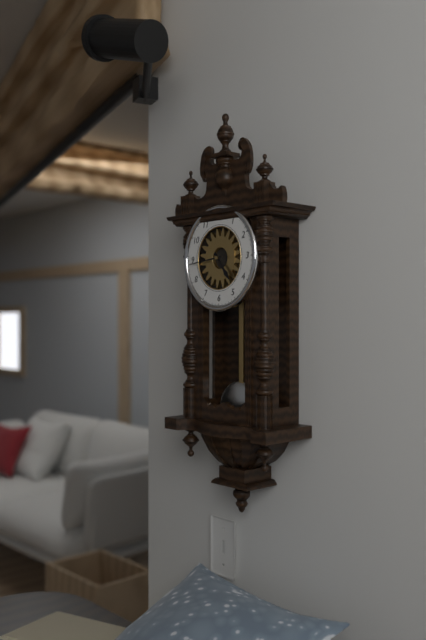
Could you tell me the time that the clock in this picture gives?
4:44
